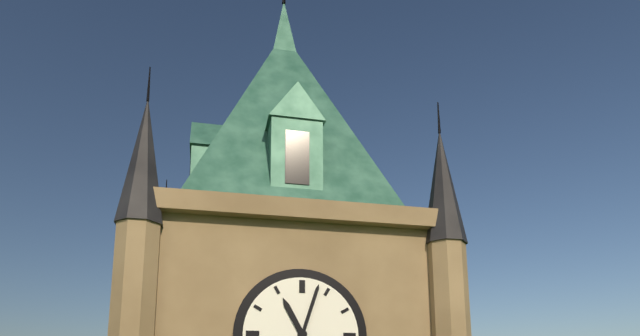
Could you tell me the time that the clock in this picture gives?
11:03
